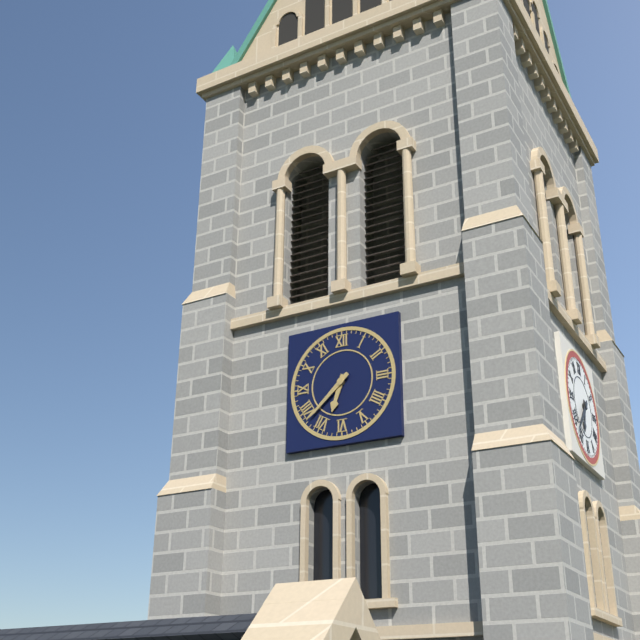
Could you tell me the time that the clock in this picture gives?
6:38
